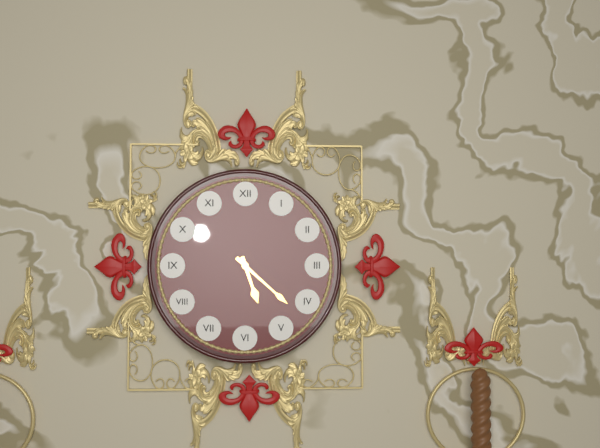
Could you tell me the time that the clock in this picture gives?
5:22
